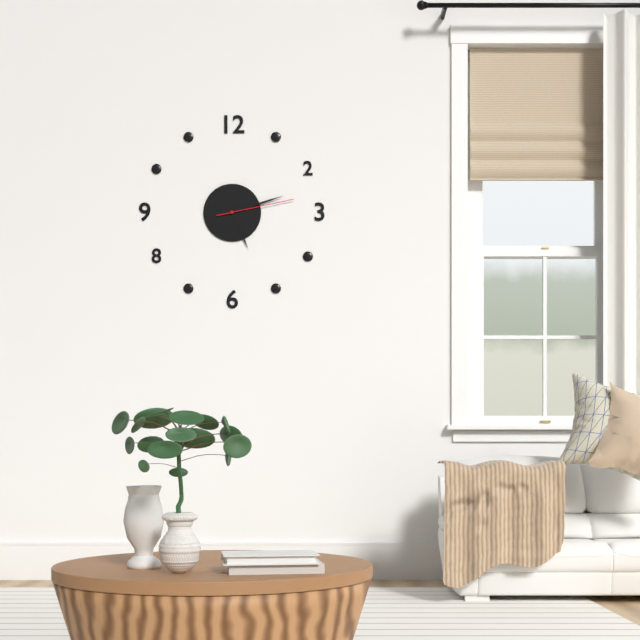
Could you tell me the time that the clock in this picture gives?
5:12:13
